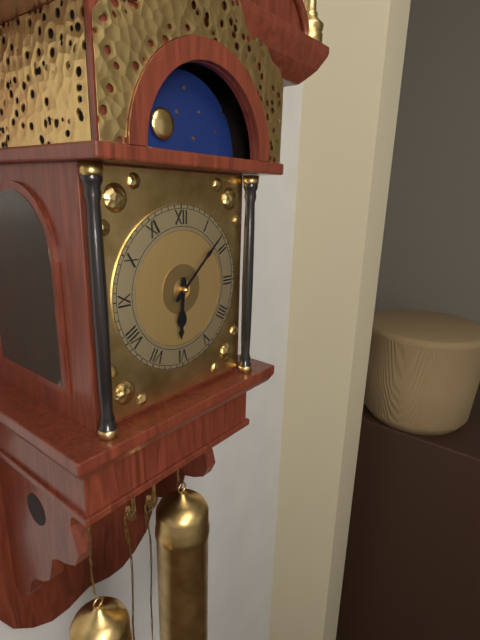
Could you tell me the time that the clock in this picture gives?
6:08
